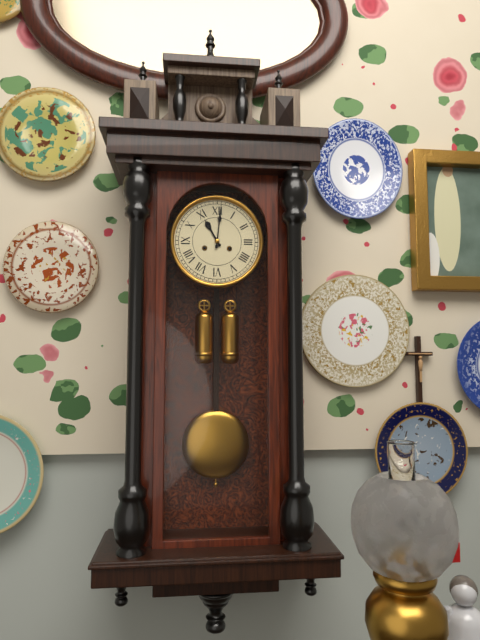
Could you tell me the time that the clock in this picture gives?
11:01
